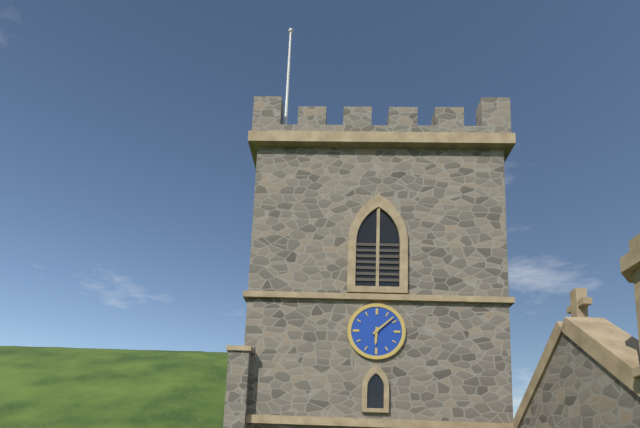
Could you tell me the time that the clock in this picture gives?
6:08
